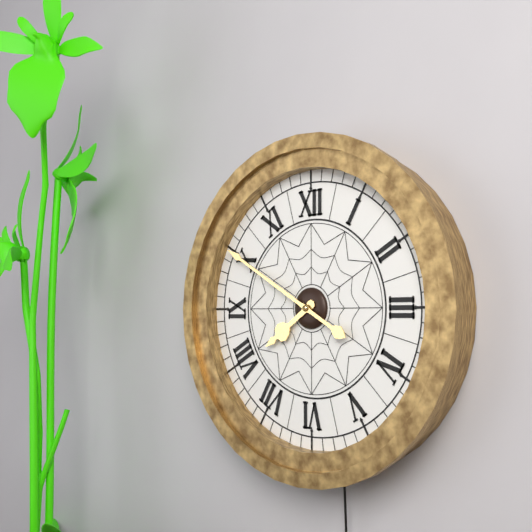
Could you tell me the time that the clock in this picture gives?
7:50
